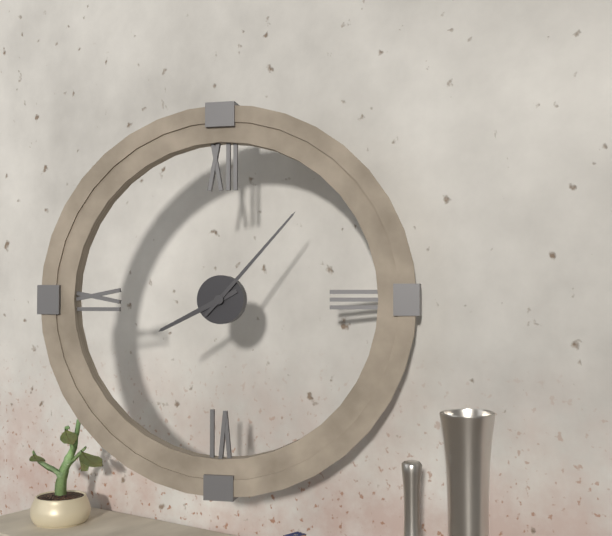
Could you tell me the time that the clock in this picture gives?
8:07
